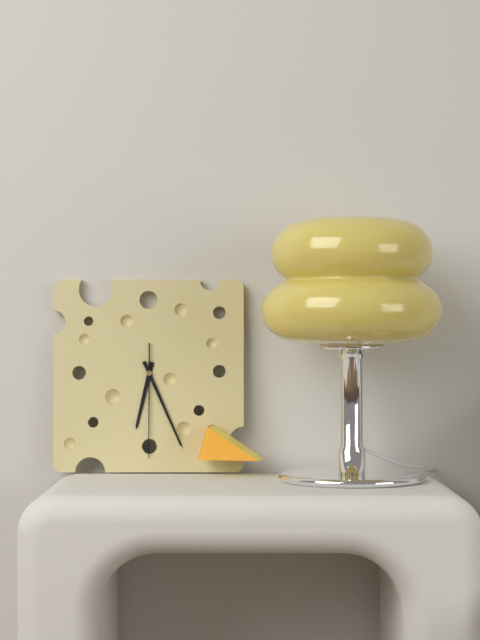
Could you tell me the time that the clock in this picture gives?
6:26:30
